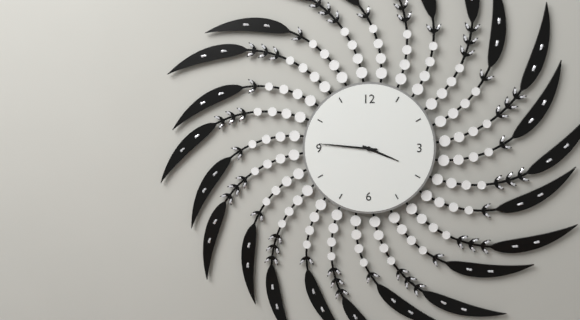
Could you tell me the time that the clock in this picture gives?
3:46
